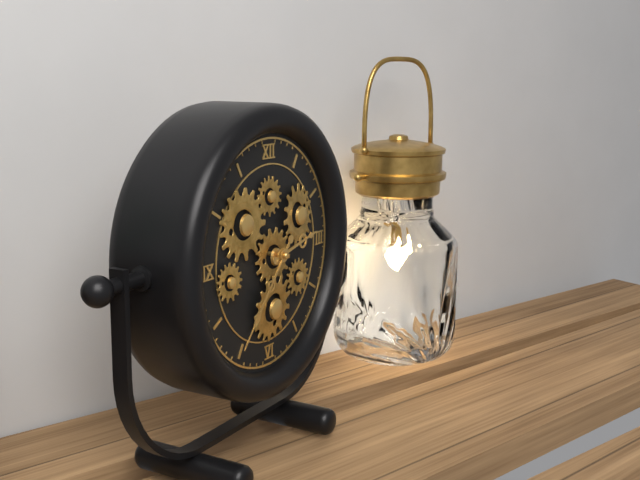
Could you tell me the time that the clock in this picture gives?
2:37
